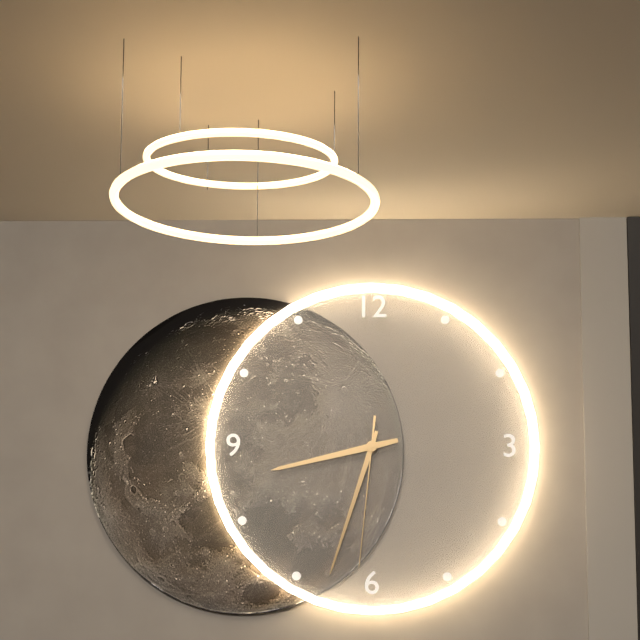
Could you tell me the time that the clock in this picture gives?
8:33:31
